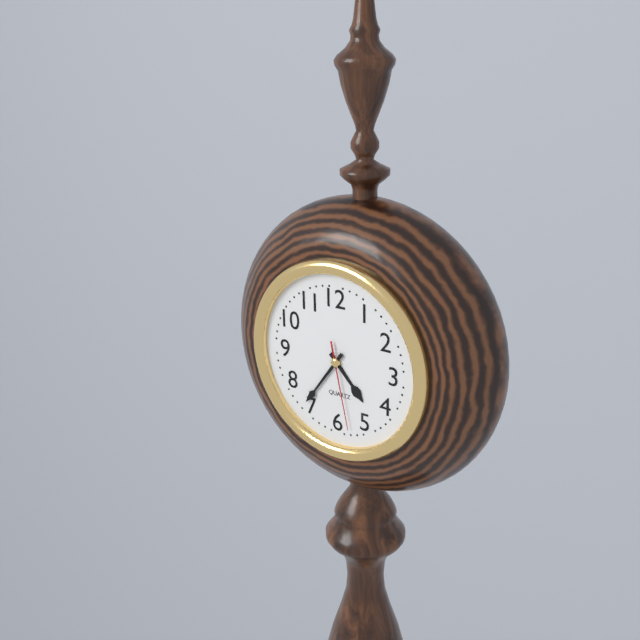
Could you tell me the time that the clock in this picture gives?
4:36:28
